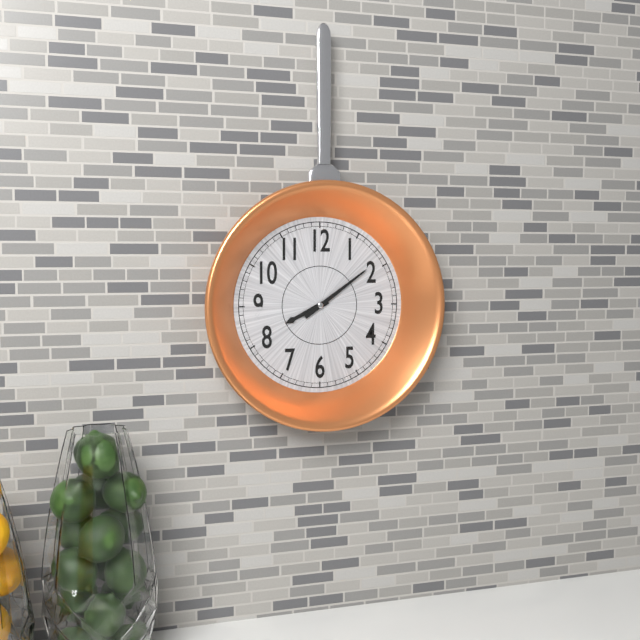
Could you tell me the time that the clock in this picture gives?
8:09
